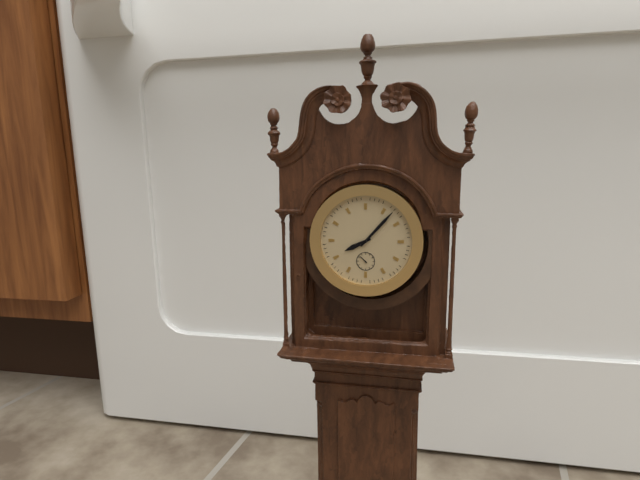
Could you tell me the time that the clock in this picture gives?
8:07
